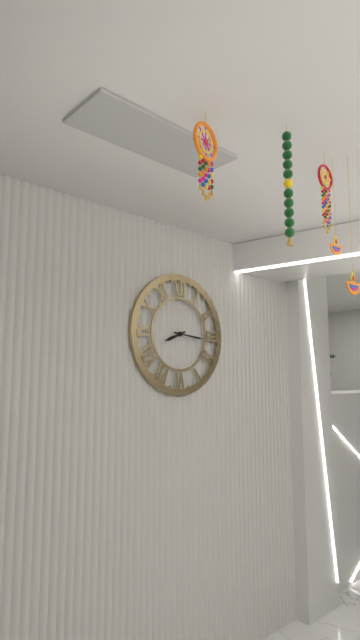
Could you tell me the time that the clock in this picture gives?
8:16
